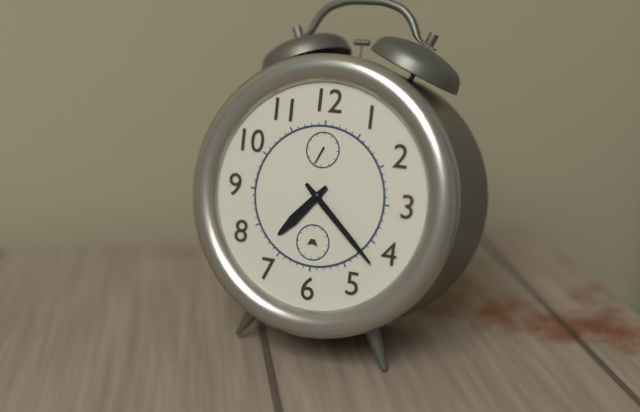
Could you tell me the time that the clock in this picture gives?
7:22
